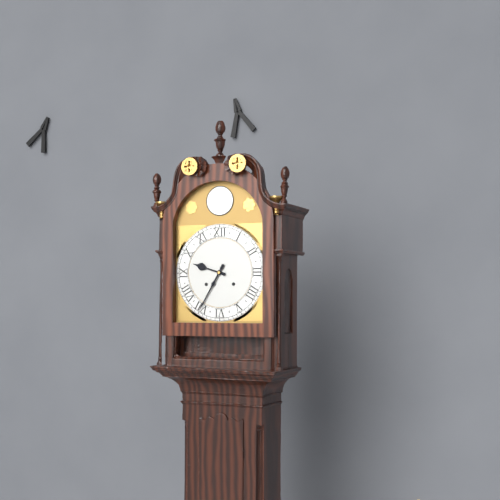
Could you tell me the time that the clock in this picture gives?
9:35
